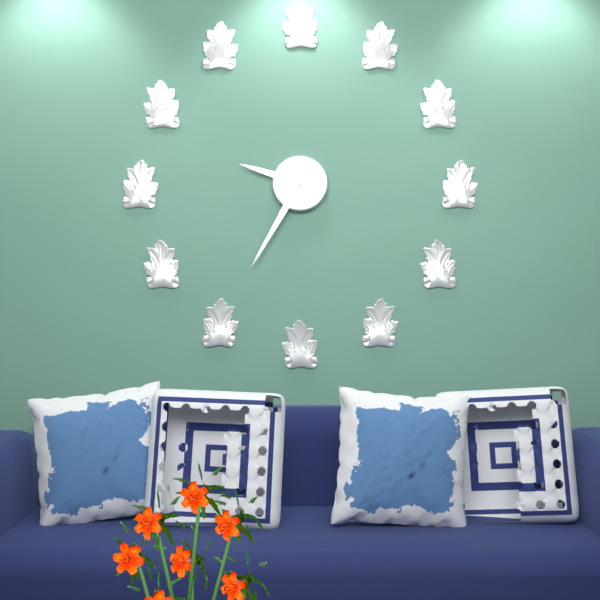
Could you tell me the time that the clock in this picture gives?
9:35
